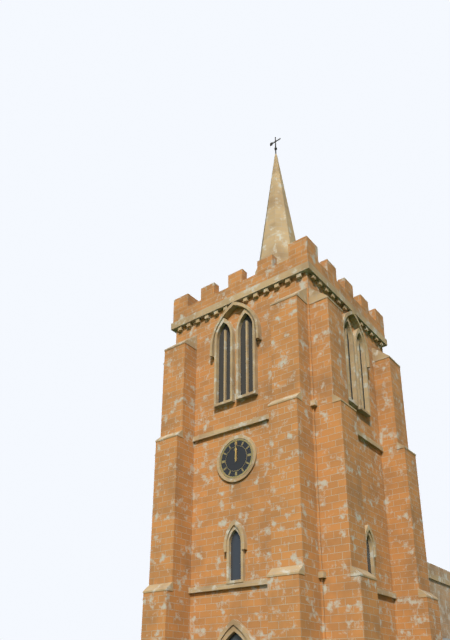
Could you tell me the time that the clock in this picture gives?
12:00
